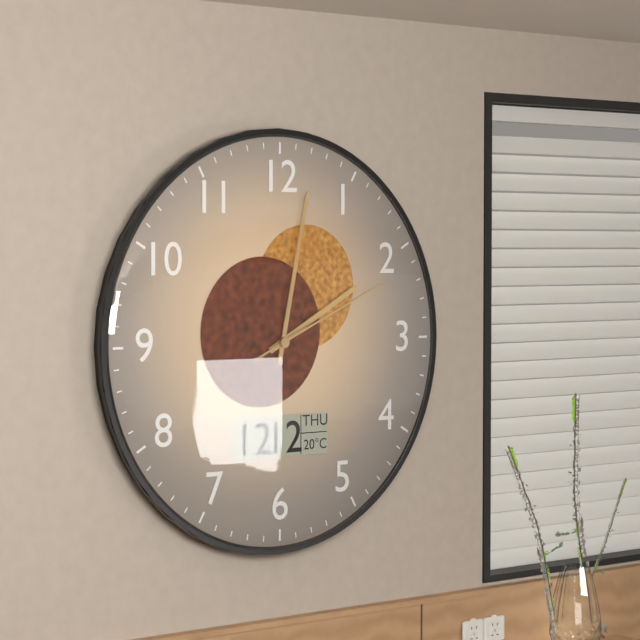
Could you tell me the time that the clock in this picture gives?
2:02:11
